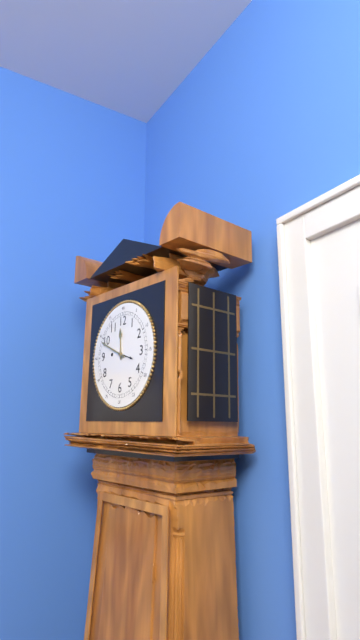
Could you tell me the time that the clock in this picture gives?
11:49
